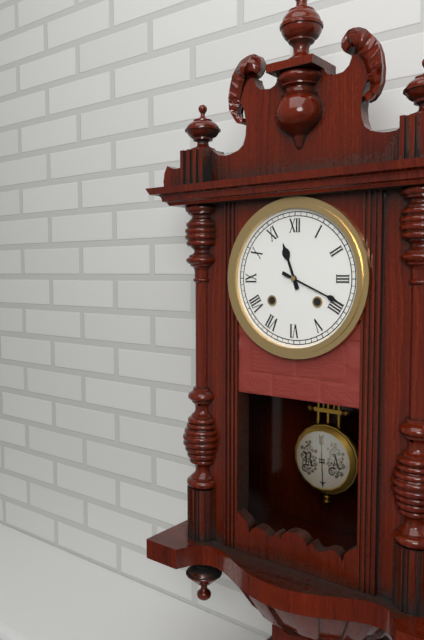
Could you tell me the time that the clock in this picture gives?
11:19
